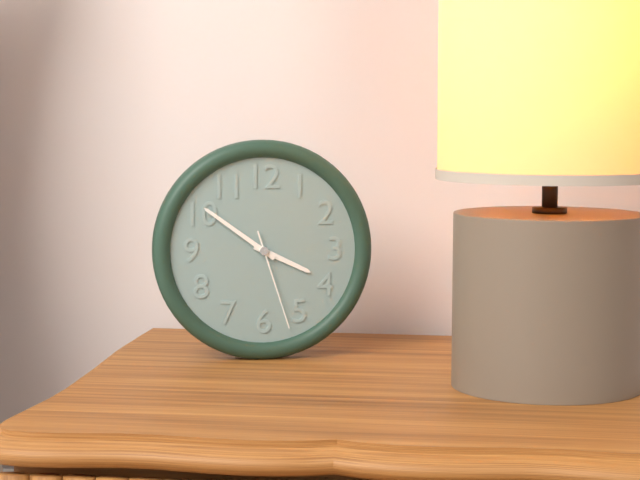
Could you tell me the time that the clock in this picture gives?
3:51:27
